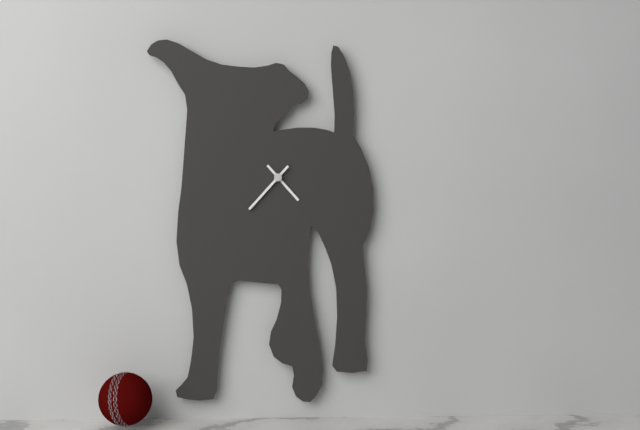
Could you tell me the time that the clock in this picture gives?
4:37
